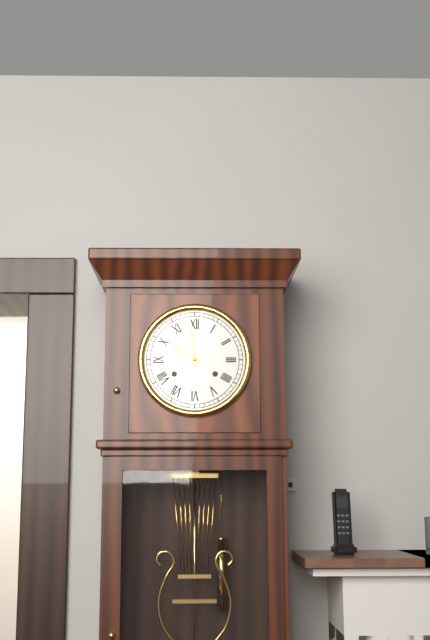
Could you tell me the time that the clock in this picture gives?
9:59
